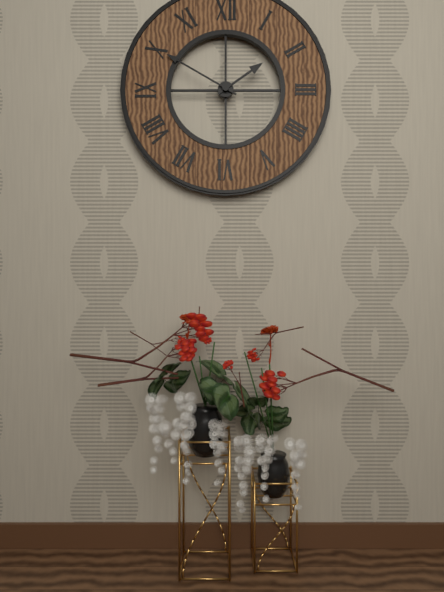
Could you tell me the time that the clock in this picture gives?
1:50
